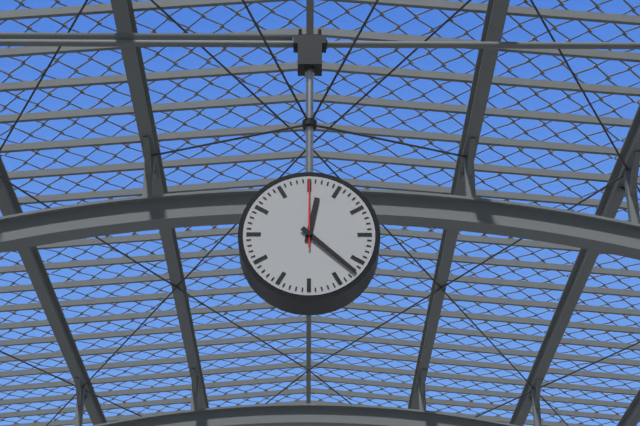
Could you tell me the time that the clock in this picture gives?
12:22:00
